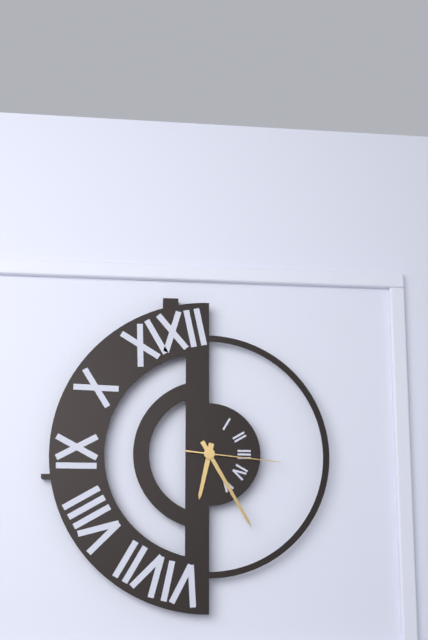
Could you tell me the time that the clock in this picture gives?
6:25:16
